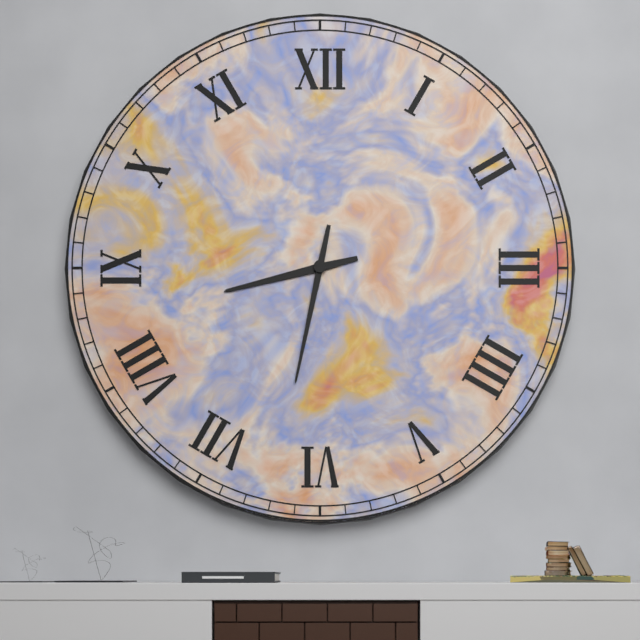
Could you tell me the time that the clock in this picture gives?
8:32
